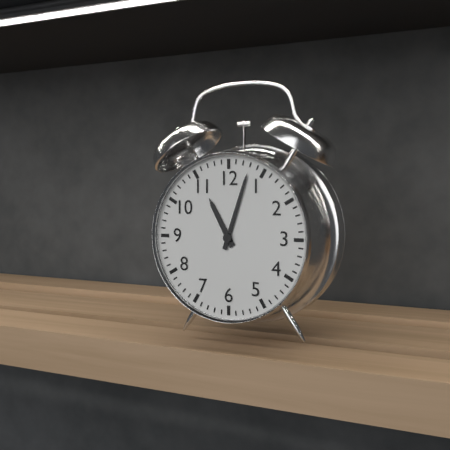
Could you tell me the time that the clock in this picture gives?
11:03
